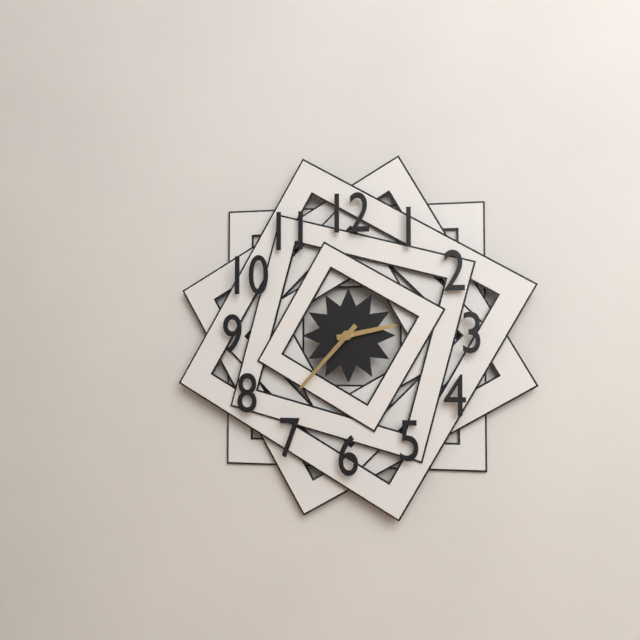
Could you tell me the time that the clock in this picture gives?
2:37
